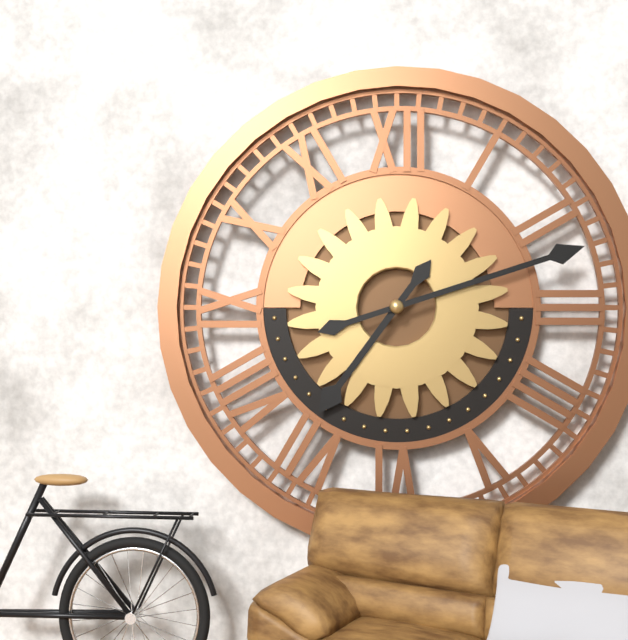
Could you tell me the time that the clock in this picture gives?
7:12
